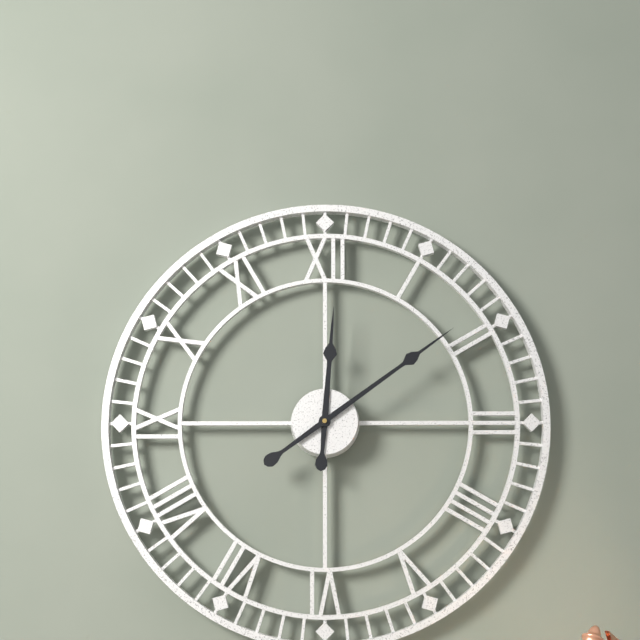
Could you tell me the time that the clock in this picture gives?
12:09
